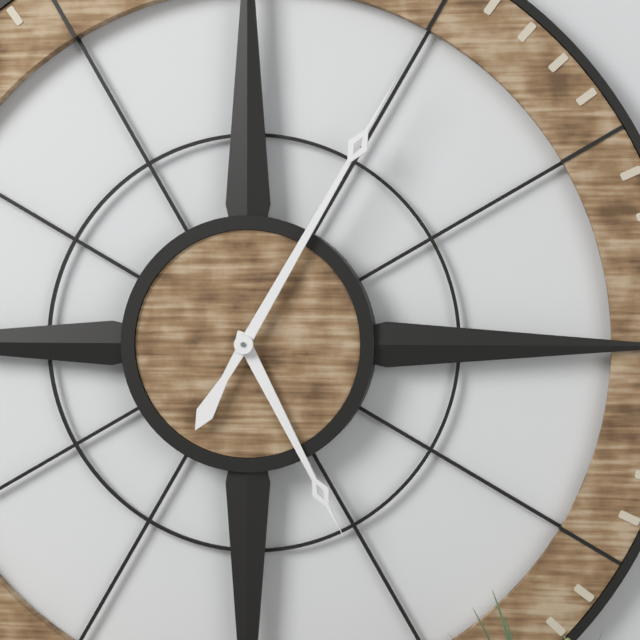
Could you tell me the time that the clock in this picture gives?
5:05
